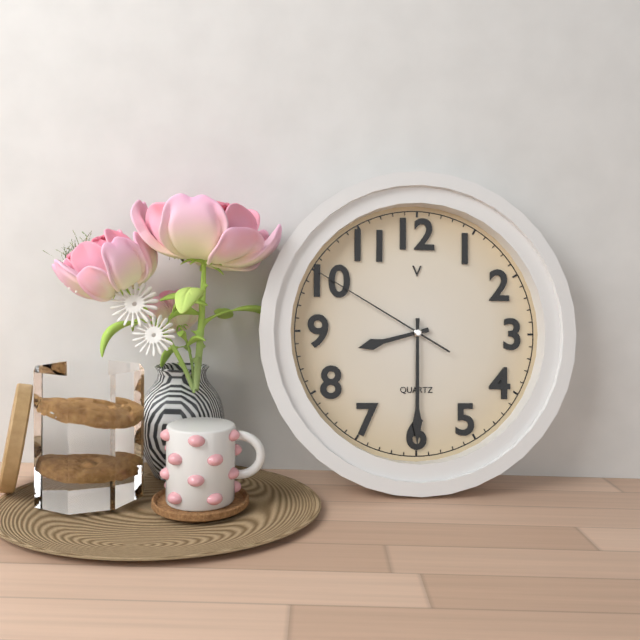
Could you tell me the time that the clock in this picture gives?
8:30:50
